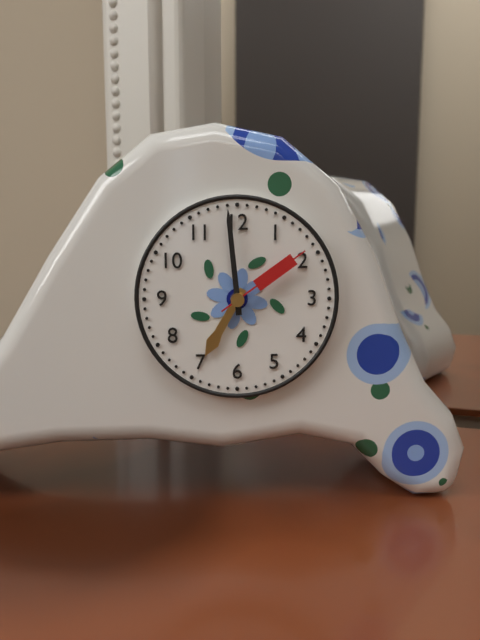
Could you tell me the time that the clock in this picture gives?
6:59:09
